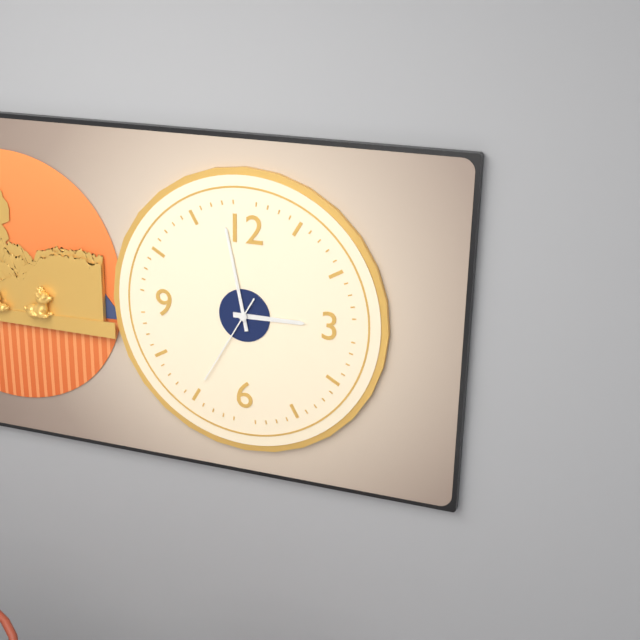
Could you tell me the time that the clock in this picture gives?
2:58:35
